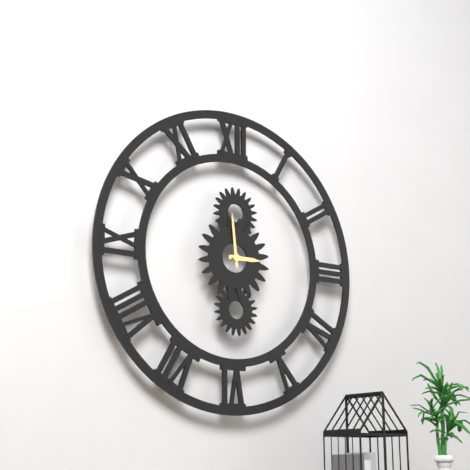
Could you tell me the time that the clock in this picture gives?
2:59
